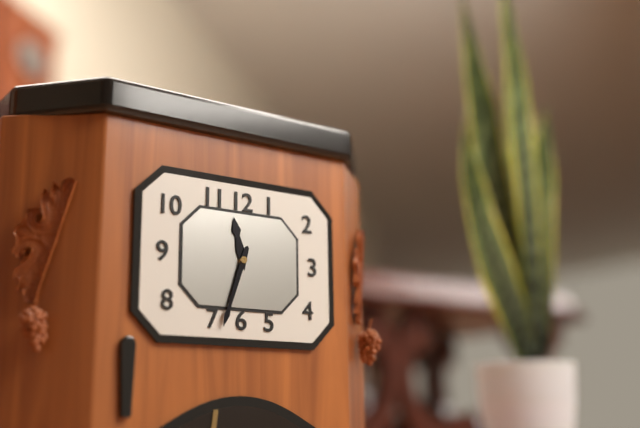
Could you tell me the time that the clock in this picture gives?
11:33
